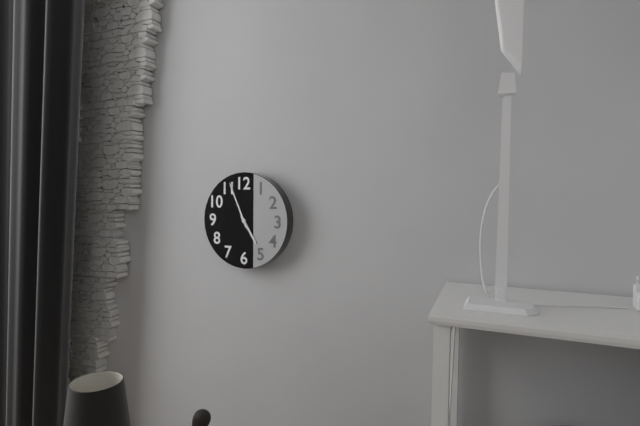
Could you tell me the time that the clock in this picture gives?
4:56
